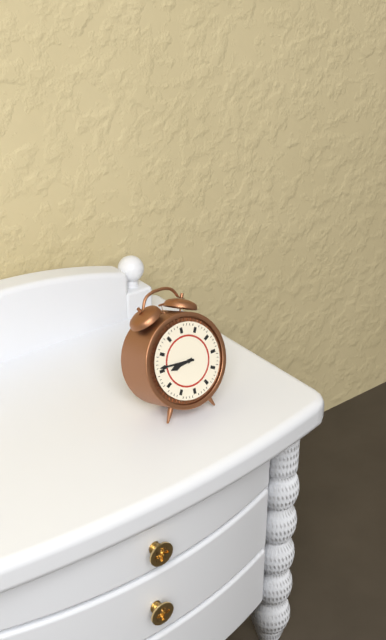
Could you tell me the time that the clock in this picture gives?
8:46
